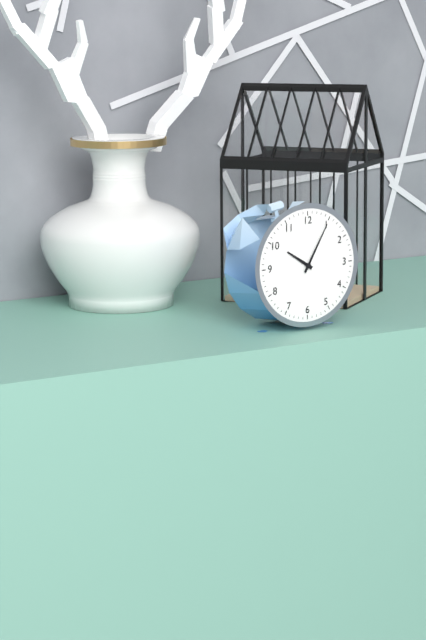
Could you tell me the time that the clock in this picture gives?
10:05
